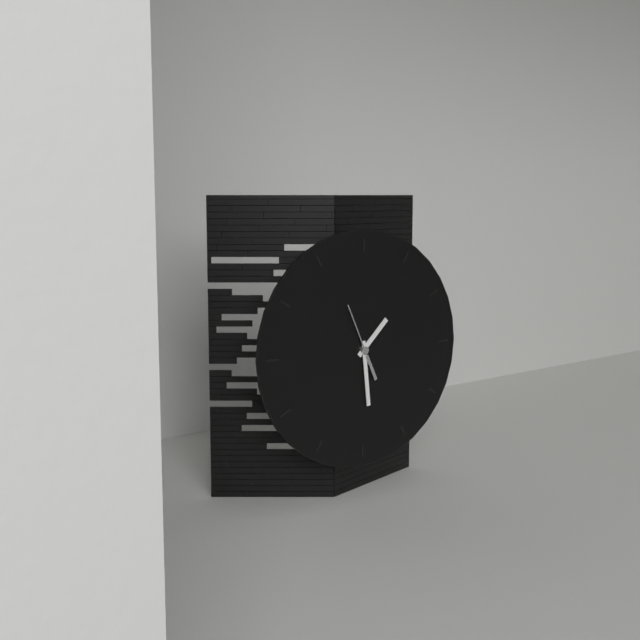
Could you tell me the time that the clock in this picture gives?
1:29:56
